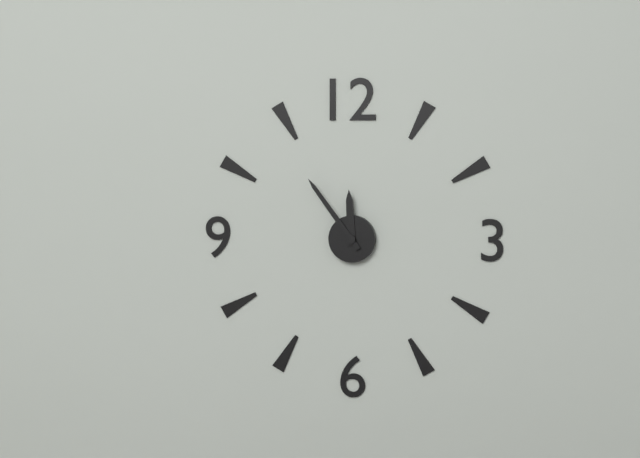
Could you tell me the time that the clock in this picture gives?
11:54
